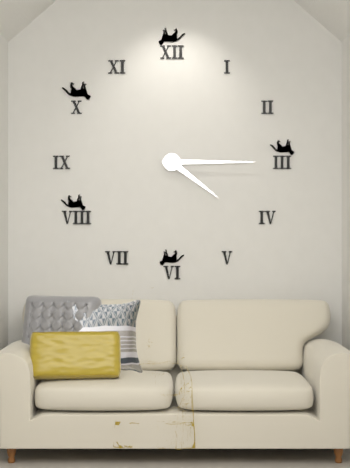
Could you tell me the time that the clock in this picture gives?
4:15
